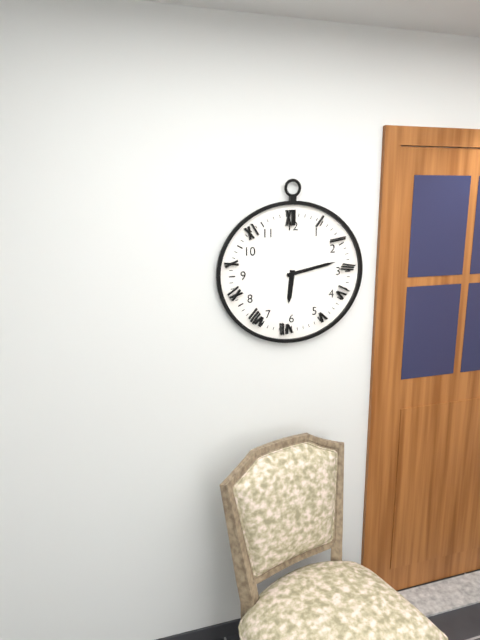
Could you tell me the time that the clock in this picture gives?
6:13
